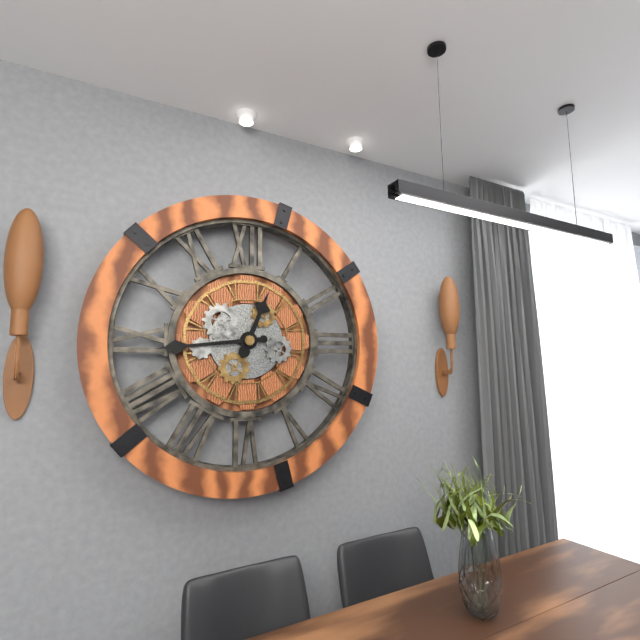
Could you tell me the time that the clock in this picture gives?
12:44
